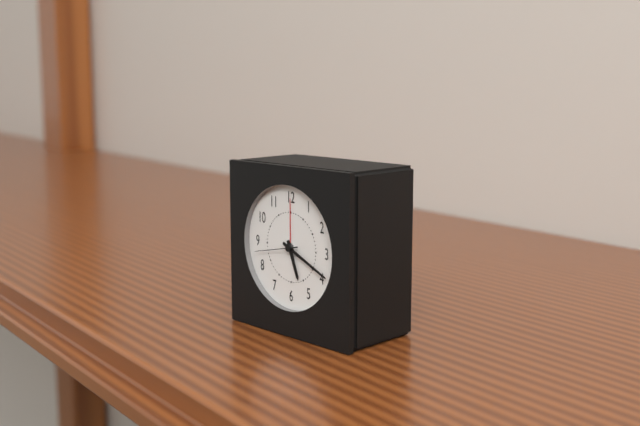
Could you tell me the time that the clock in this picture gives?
5:19
